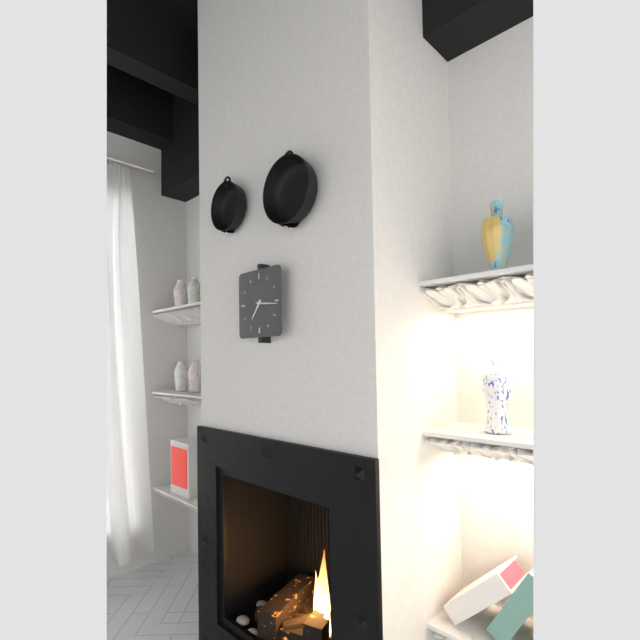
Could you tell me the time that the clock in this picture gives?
7:16
